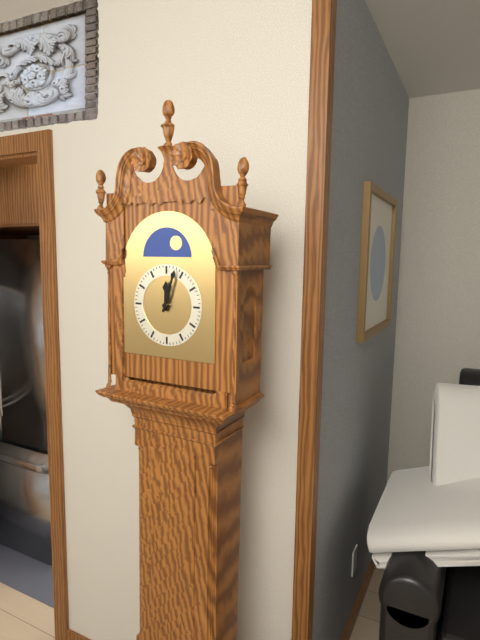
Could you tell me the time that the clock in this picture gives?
12:03
